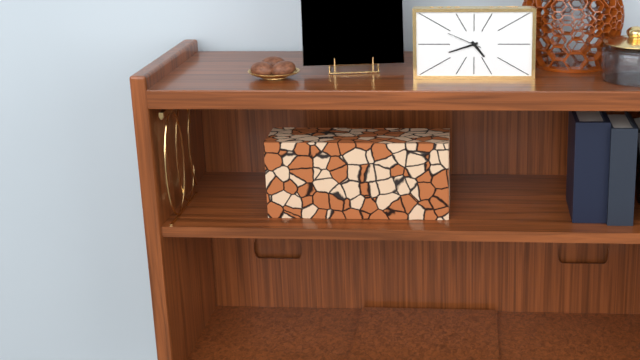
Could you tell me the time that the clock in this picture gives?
4:42
